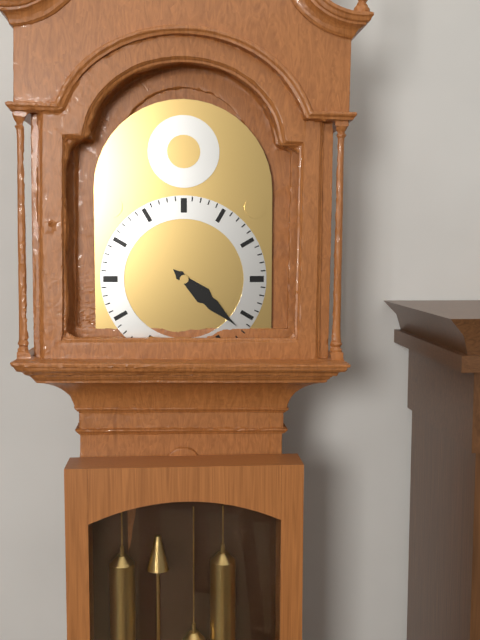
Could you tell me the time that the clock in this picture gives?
4:22
